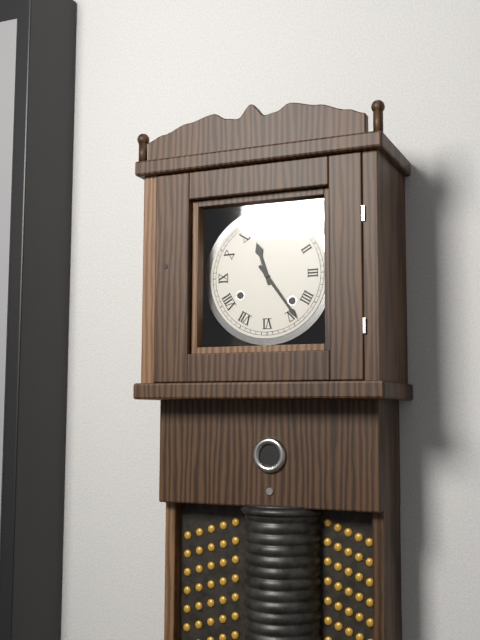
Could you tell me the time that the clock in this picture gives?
11:24
